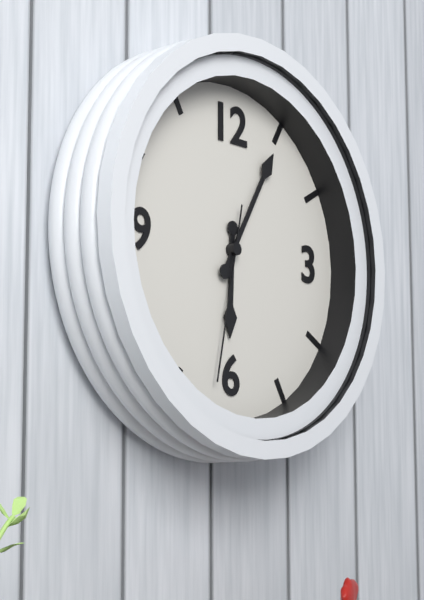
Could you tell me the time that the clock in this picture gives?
6:05:32
